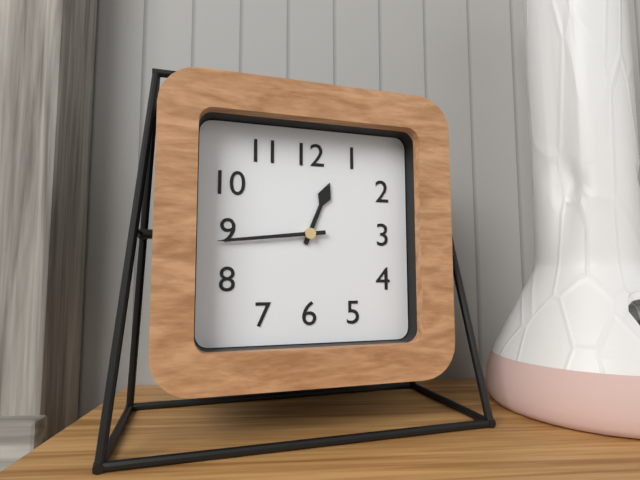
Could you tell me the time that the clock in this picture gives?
12:44
